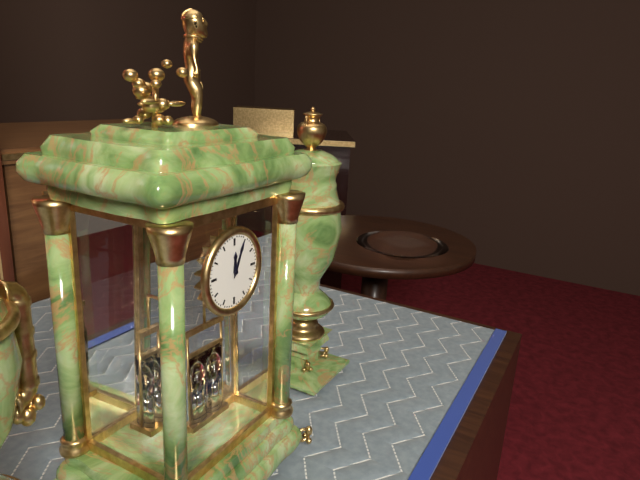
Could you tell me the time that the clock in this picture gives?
12:04
